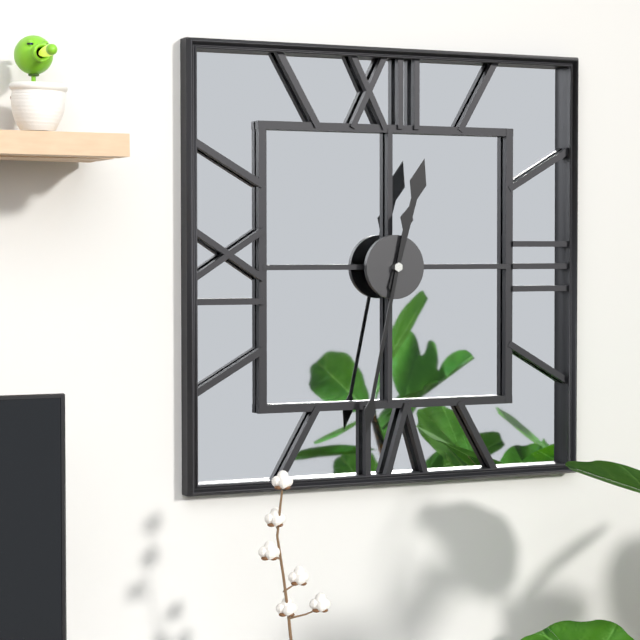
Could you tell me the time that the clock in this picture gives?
12:32
